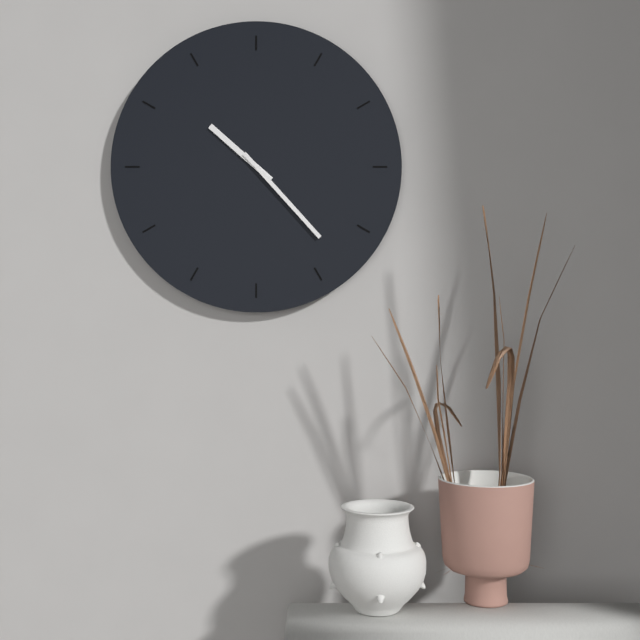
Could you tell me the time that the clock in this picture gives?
10:23
